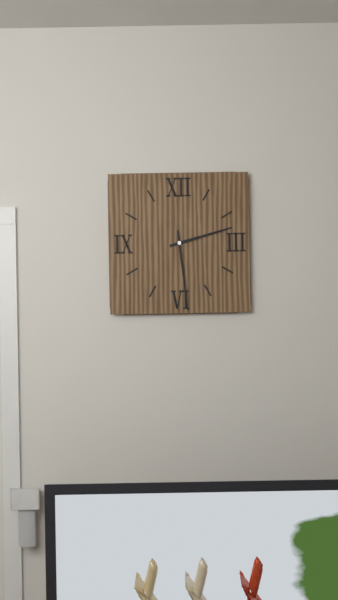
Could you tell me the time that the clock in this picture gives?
2:29
